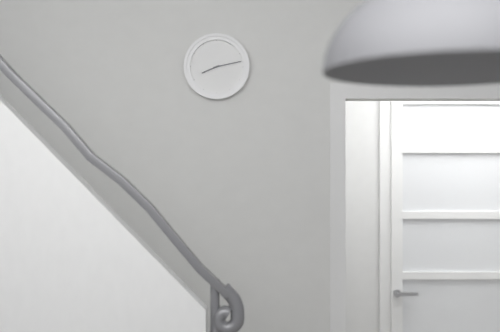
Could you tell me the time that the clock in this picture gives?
8:13
